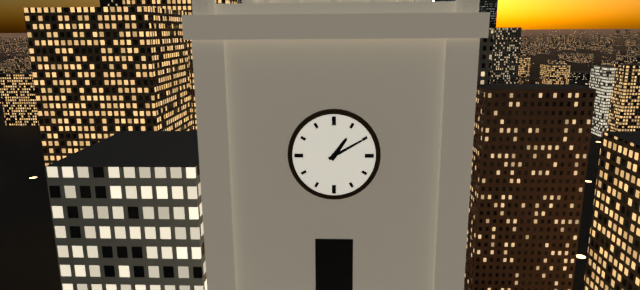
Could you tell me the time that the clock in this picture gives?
1:10
